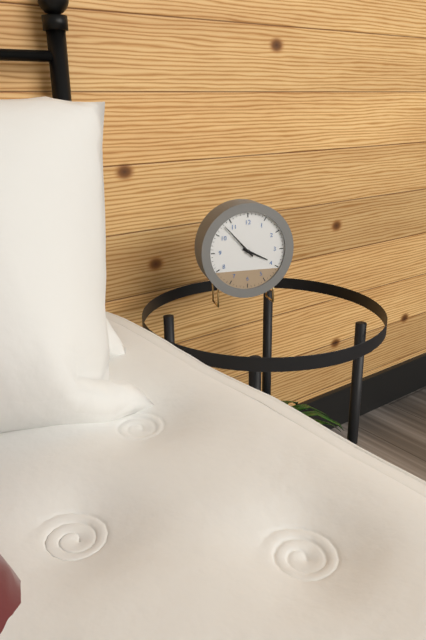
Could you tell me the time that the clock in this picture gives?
3:53
